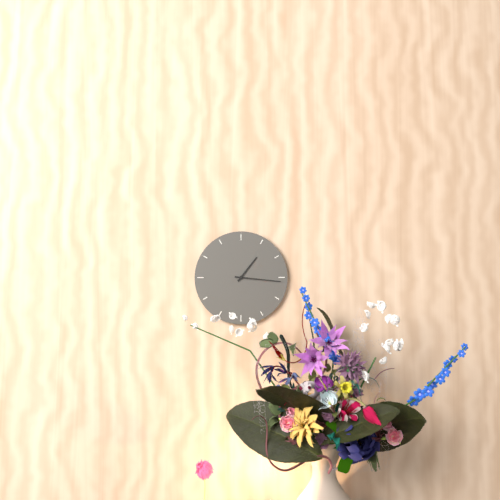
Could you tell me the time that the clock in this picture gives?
1:16
